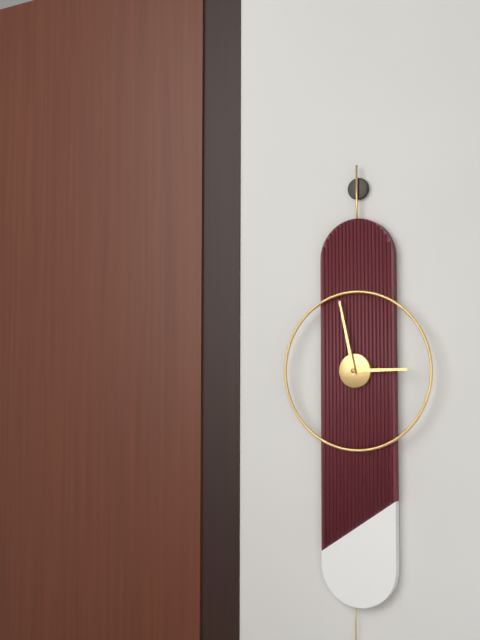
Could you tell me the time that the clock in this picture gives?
2:58
